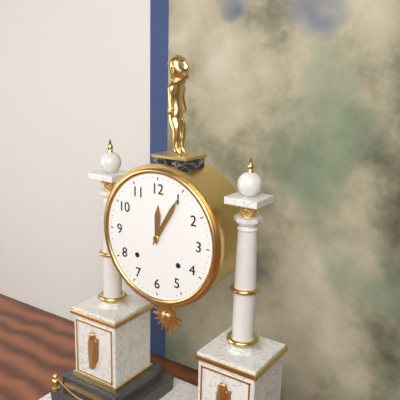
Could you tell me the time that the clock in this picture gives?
12:05
